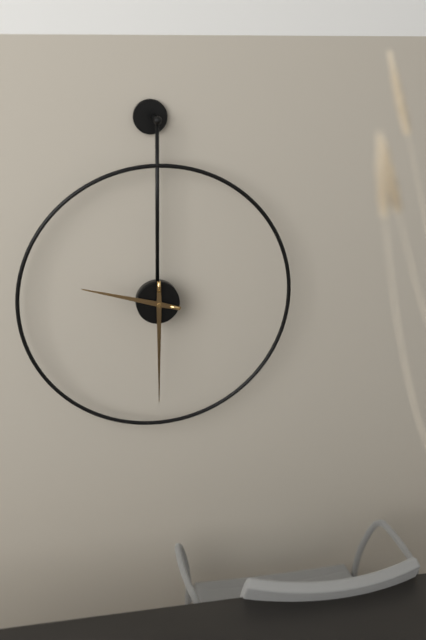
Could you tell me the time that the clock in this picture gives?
9:30
